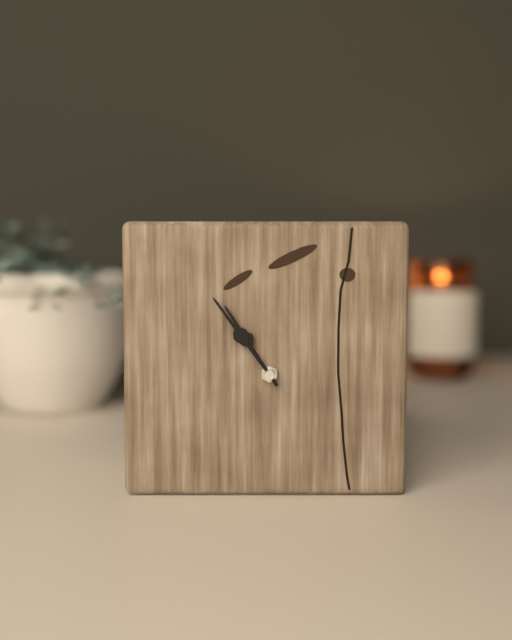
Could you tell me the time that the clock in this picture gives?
10:54
